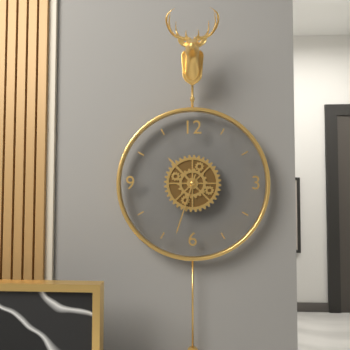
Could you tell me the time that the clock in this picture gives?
10:33
